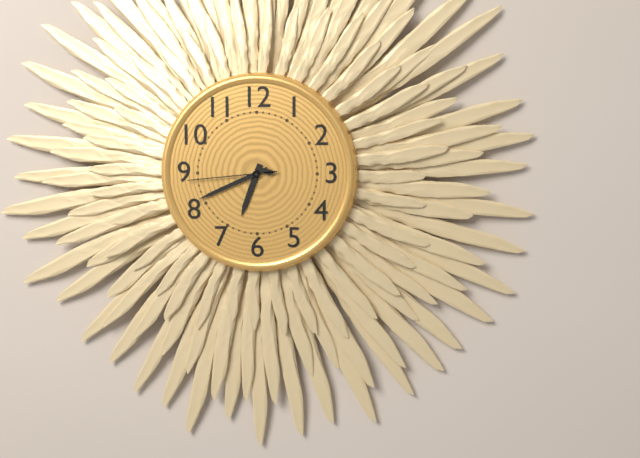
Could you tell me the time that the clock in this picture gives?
6:41:44
